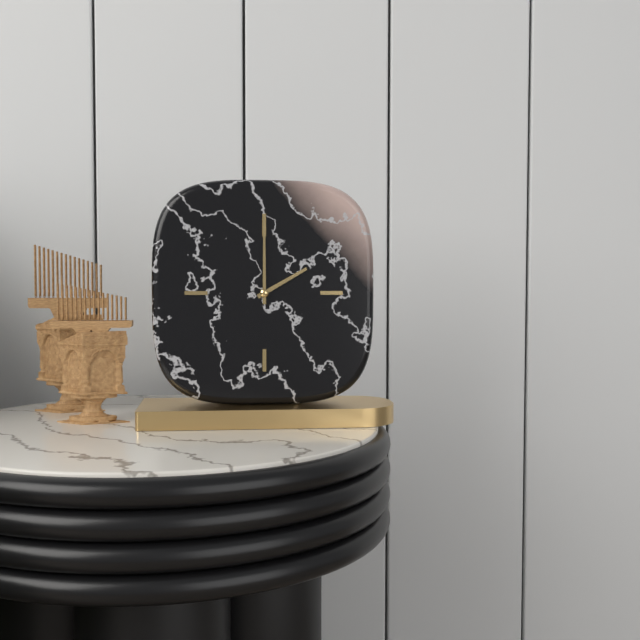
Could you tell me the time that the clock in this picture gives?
2:00
